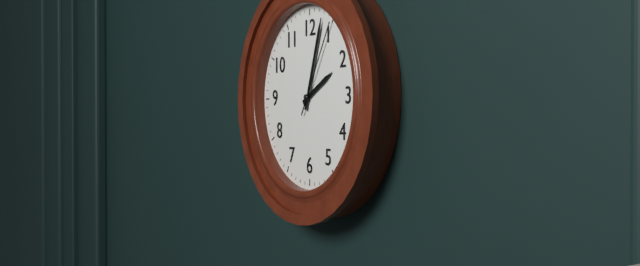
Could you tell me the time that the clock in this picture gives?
2:03:05
